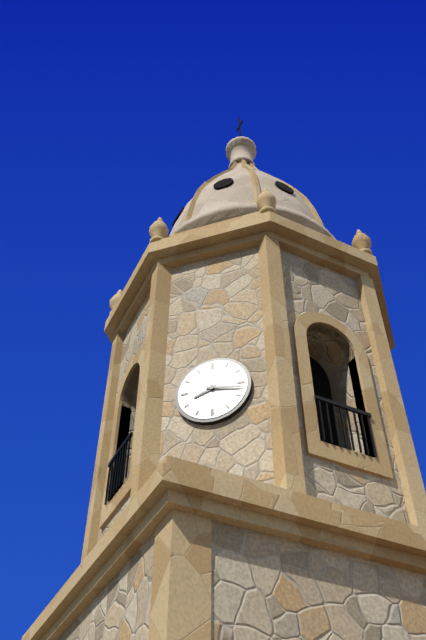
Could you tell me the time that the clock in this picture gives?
8:17
